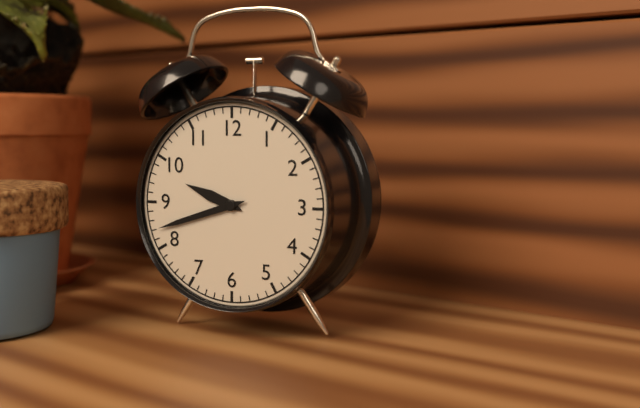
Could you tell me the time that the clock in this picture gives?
9:42
